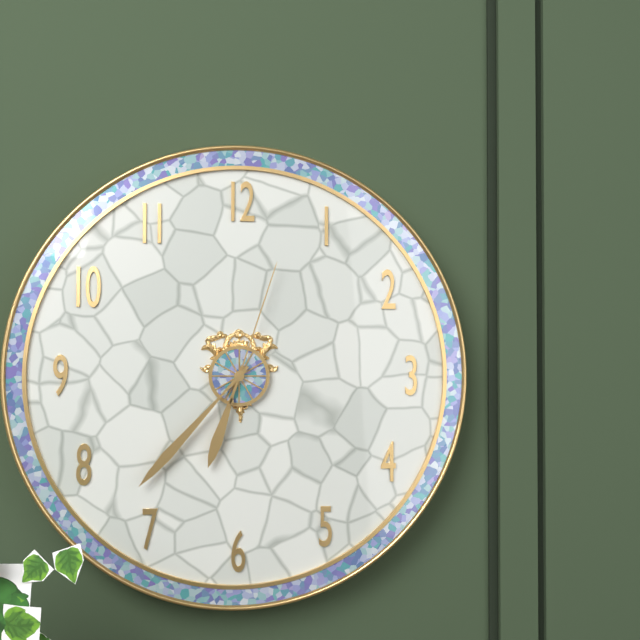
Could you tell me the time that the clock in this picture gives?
6:37:03
